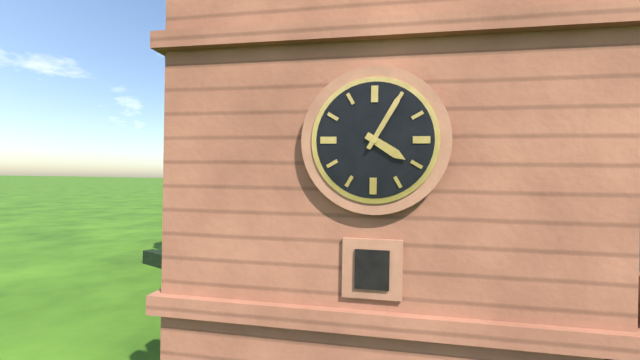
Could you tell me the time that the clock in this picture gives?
4:05
